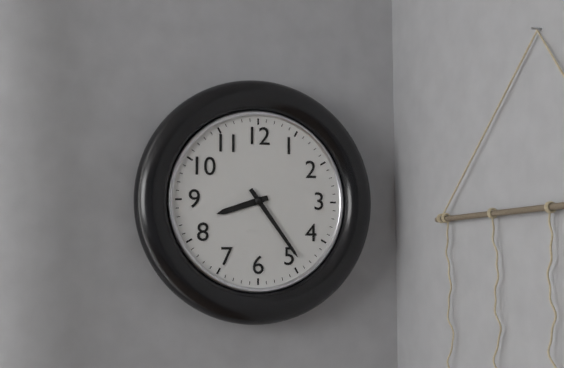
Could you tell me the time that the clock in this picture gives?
8:24
